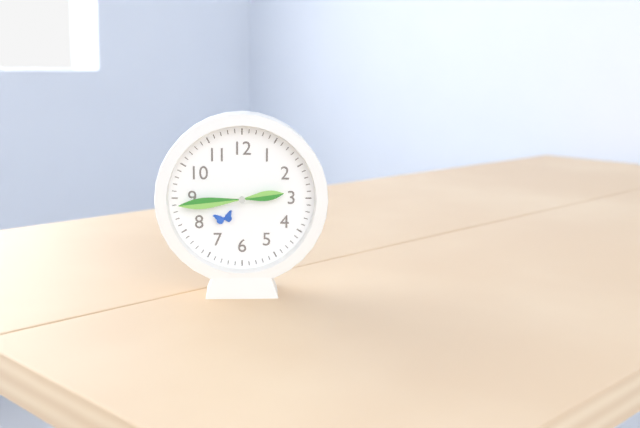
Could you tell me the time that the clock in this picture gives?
2:44
